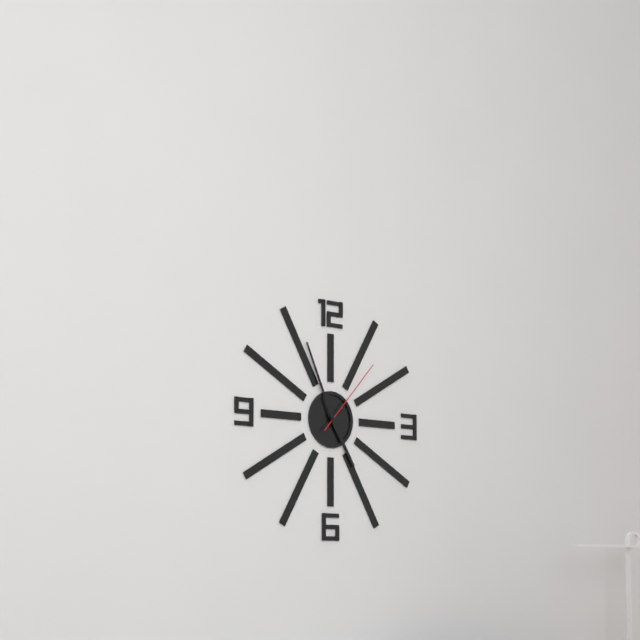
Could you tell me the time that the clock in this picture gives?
4:56:07
